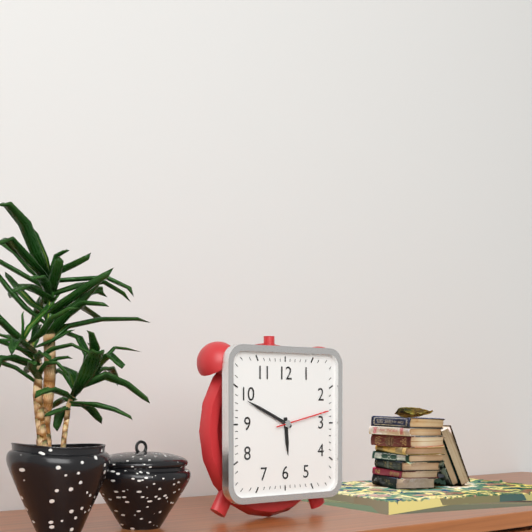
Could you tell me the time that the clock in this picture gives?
5:49:13
